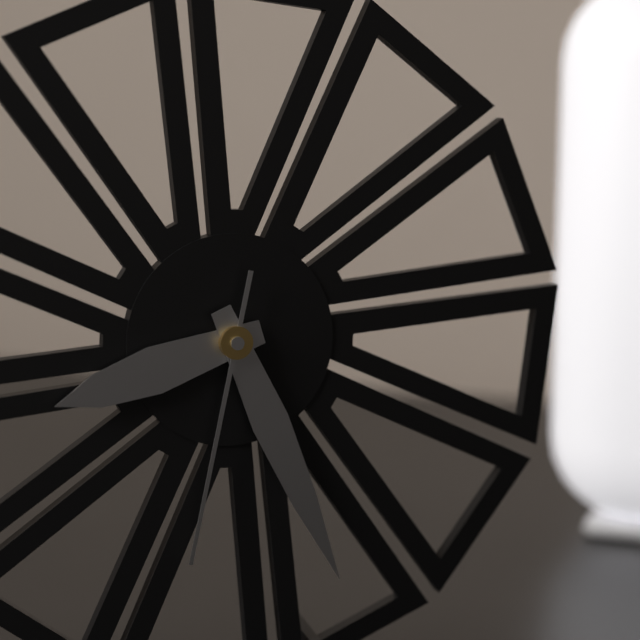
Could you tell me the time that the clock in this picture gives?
8:26:32
